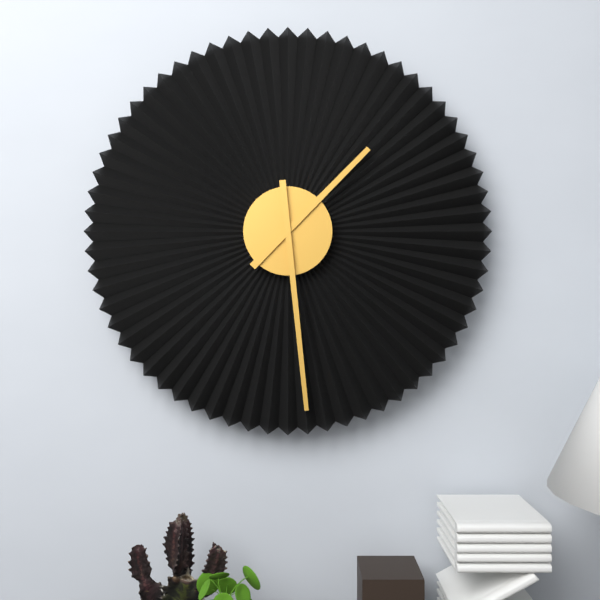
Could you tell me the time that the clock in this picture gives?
1:29
